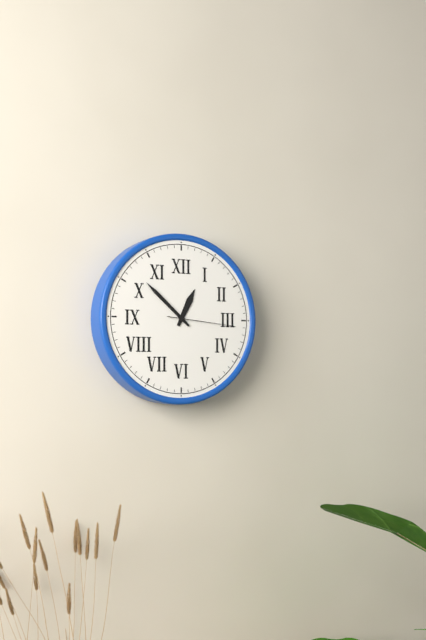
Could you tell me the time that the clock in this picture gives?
12:52:16
